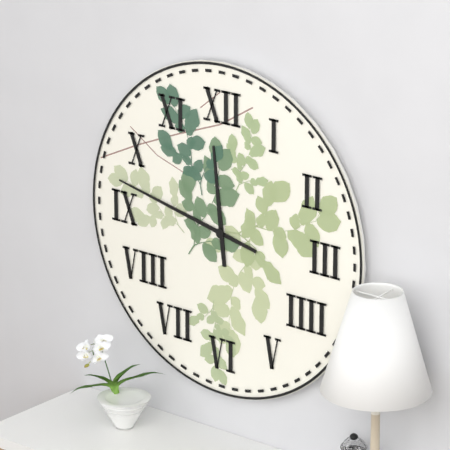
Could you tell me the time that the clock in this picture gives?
11:47
